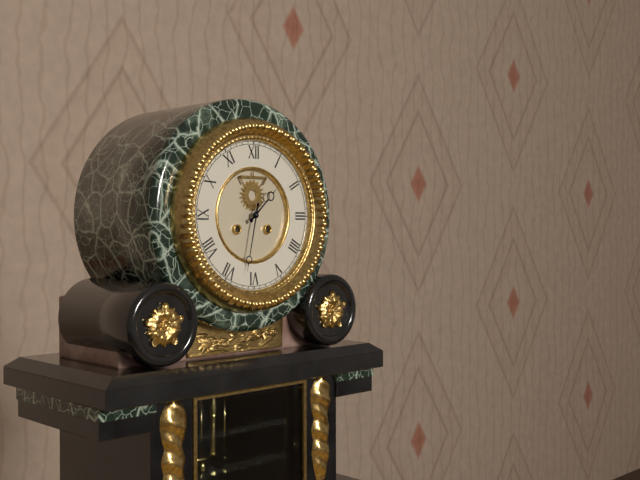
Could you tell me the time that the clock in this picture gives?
1:32
